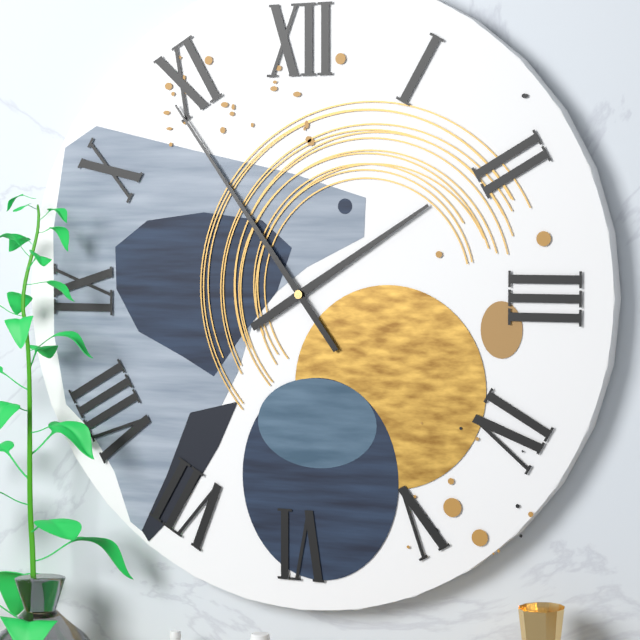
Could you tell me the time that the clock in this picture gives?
1:54
